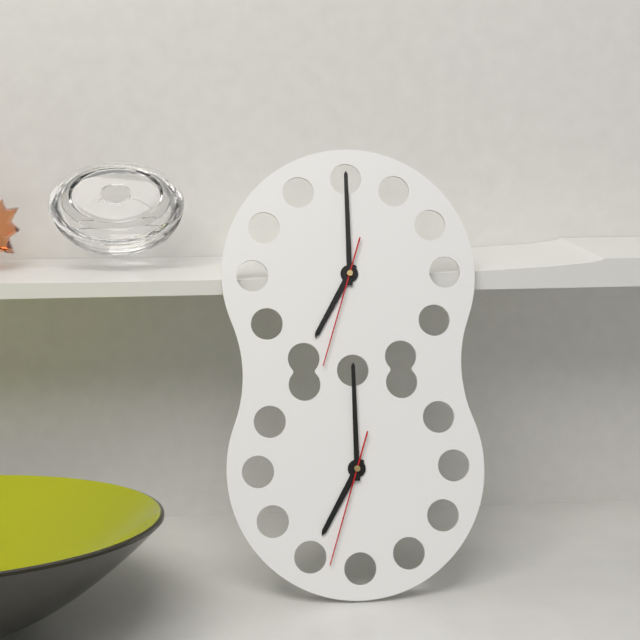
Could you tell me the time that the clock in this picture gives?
7:00:33
